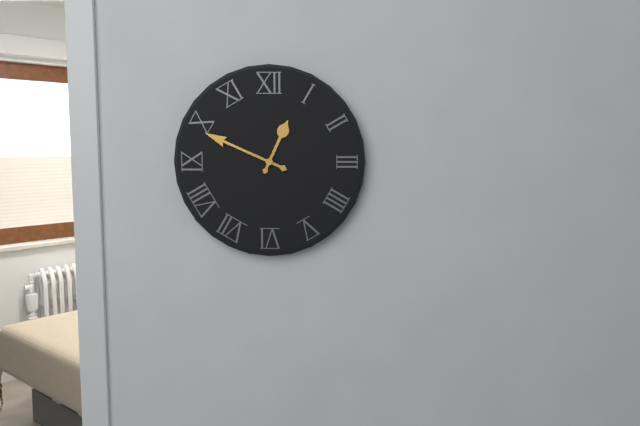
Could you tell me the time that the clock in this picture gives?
12:49
